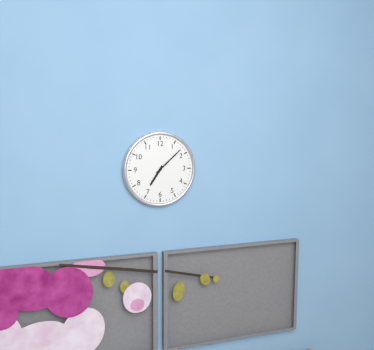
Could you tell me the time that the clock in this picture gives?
7:08
